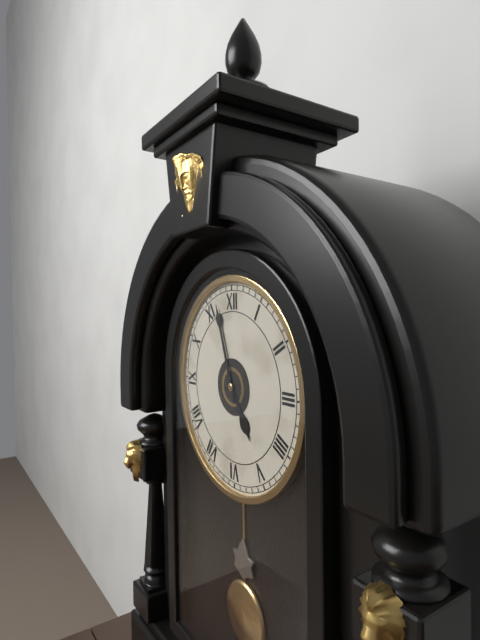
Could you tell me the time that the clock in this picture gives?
4:57
